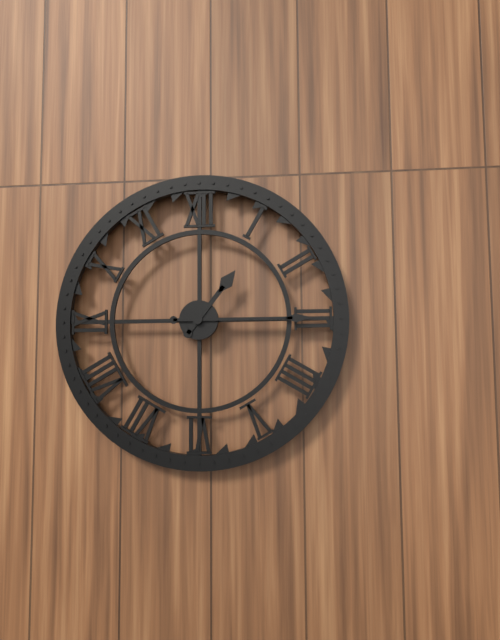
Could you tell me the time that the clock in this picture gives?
1:15
